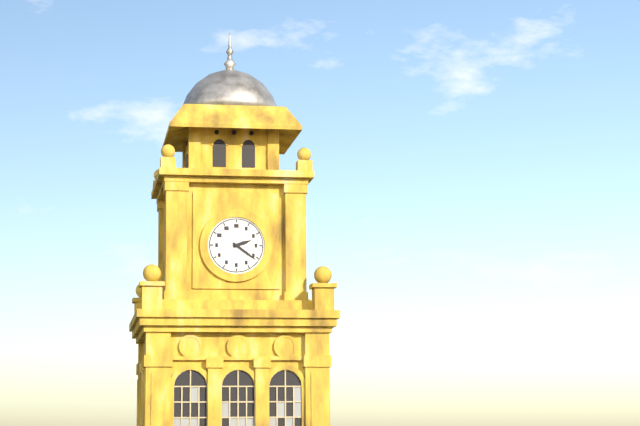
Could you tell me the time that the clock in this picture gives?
2:21
